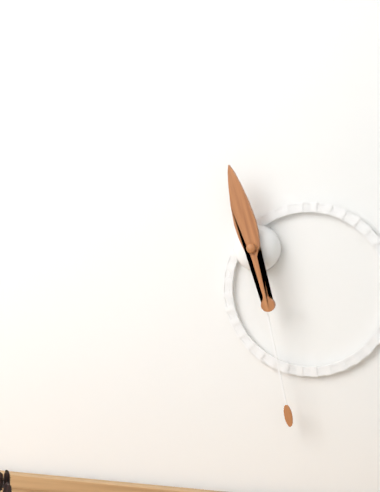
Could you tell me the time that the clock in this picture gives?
11:28
